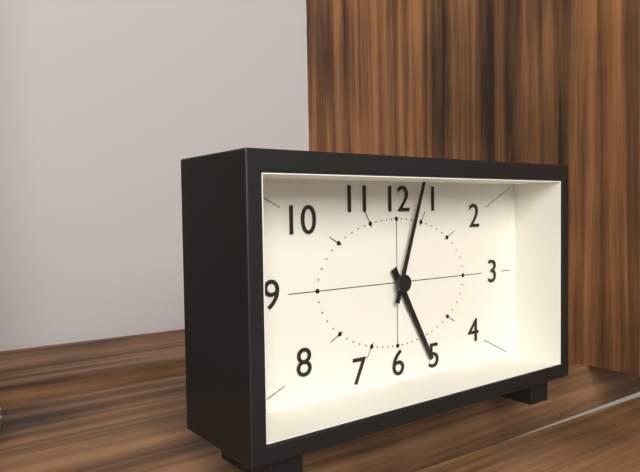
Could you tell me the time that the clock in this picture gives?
5:03
